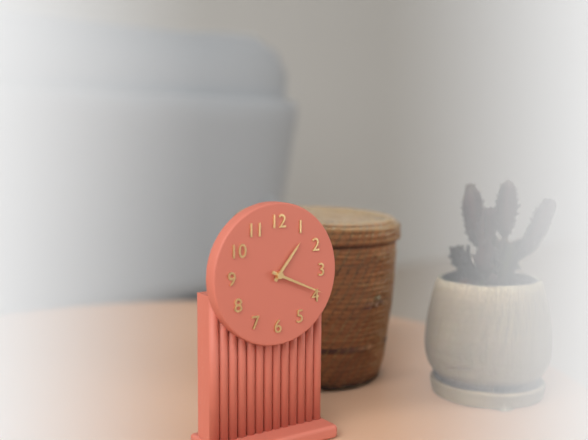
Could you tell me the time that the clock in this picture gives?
1:19
